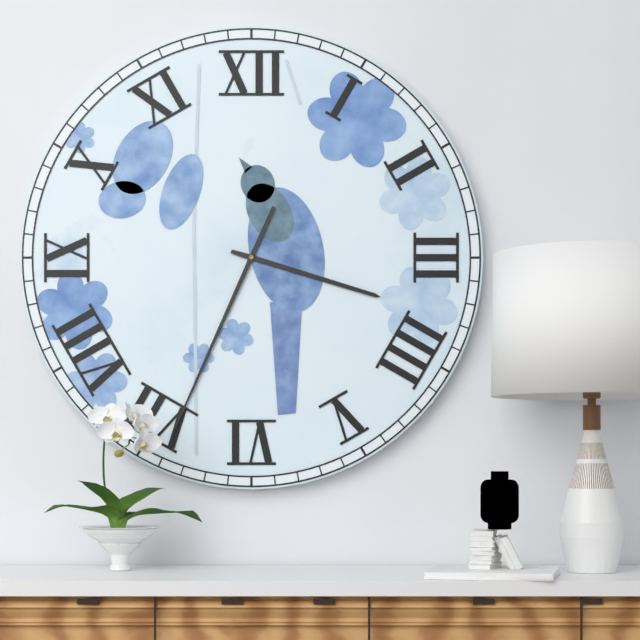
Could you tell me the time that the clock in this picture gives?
3:34
